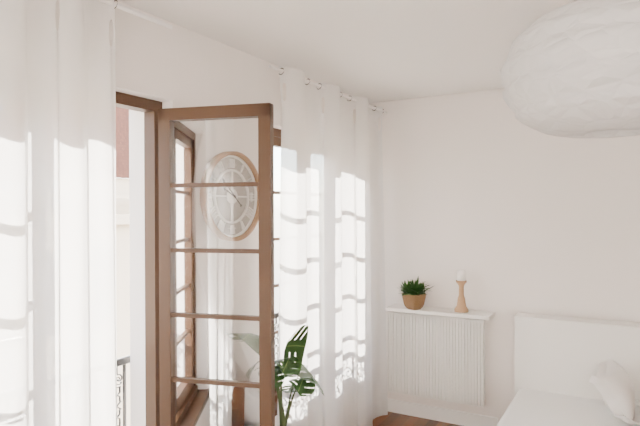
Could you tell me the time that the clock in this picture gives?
9:52
